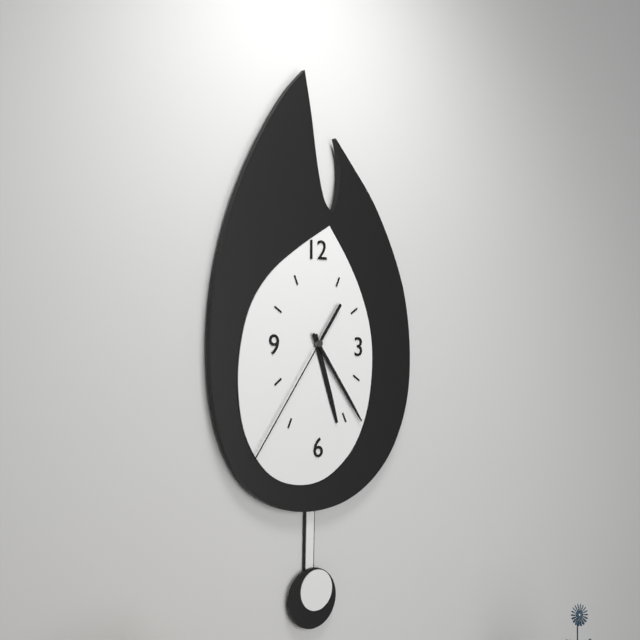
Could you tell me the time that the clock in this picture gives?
5:24:36
